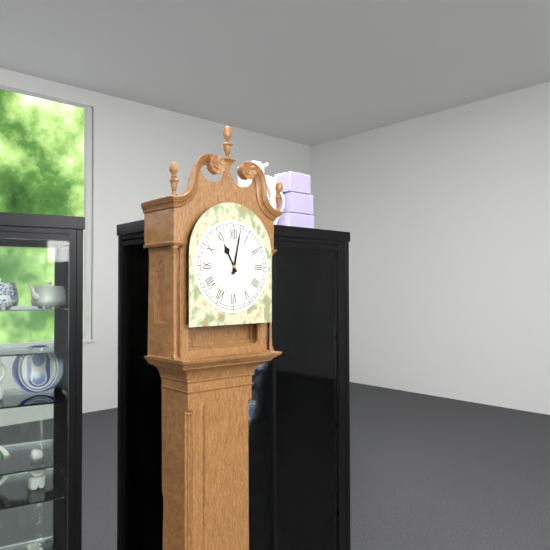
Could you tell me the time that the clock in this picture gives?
11:02
